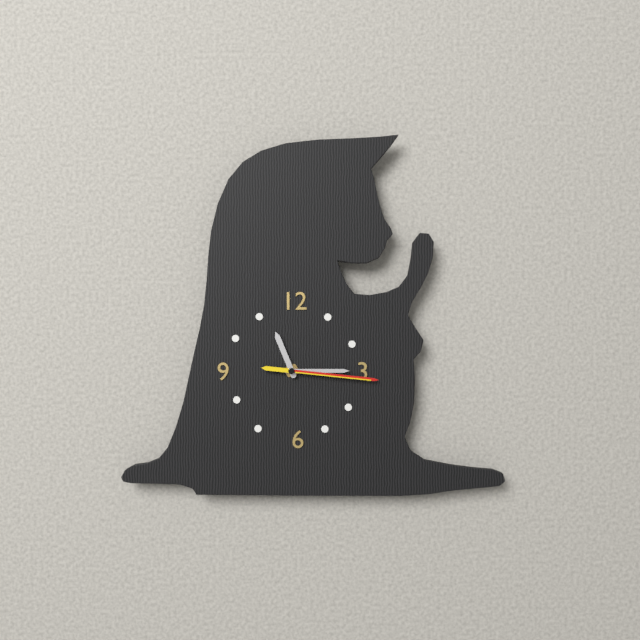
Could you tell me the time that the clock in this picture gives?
11:15:16
